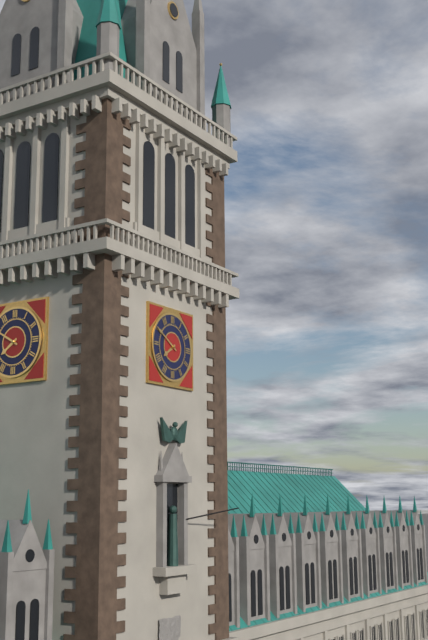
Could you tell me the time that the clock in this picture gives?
7:50
